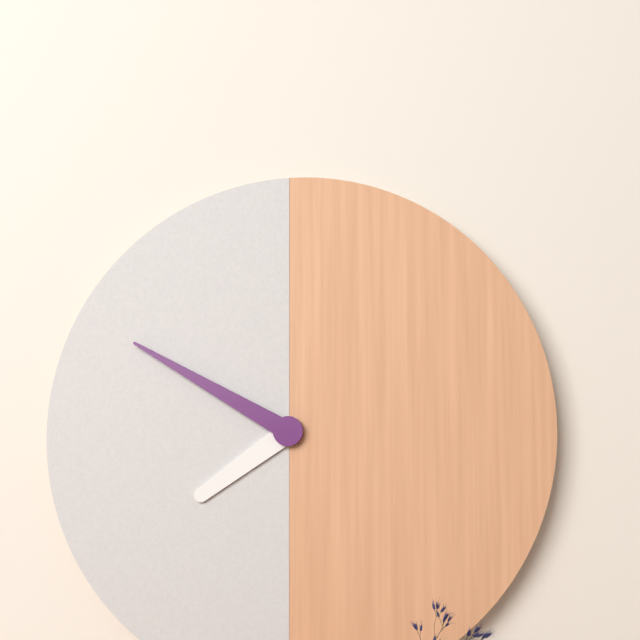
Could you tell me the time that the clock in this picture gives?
7:50
